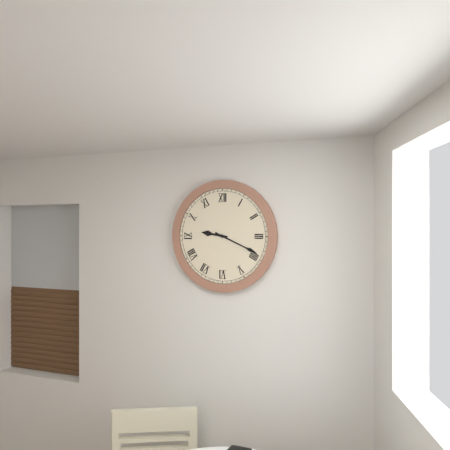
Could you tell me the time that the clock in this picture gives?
9:19
